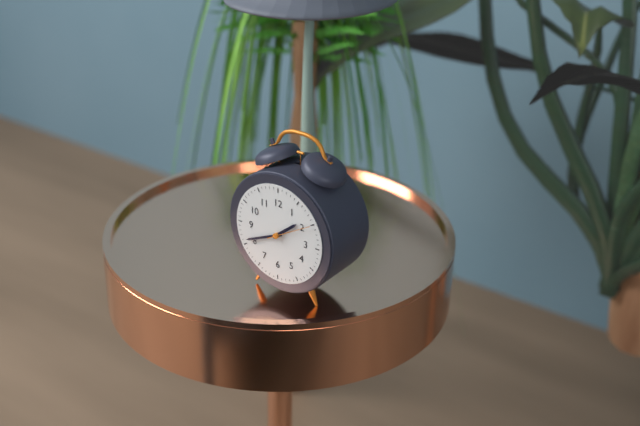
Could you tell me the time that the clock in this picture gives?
1:41
